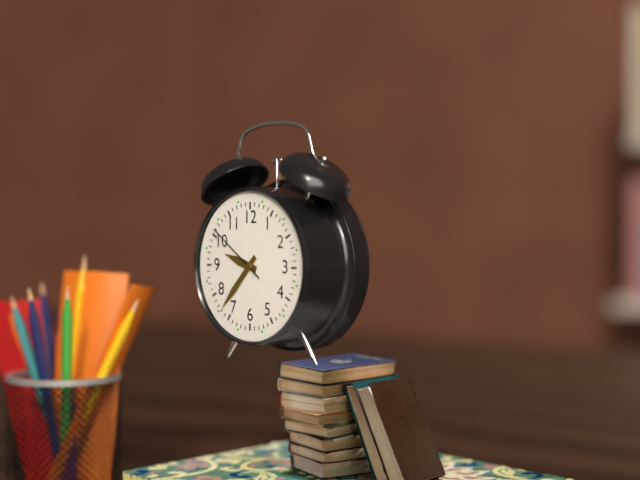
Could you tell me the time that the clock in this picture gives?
9:37:51
